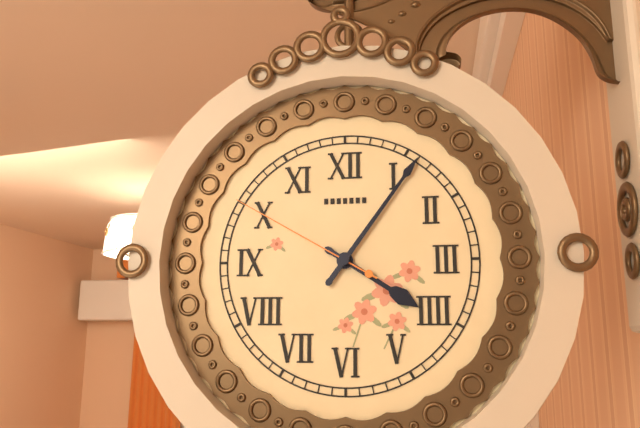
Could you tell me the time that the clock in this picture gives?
4:06:50
